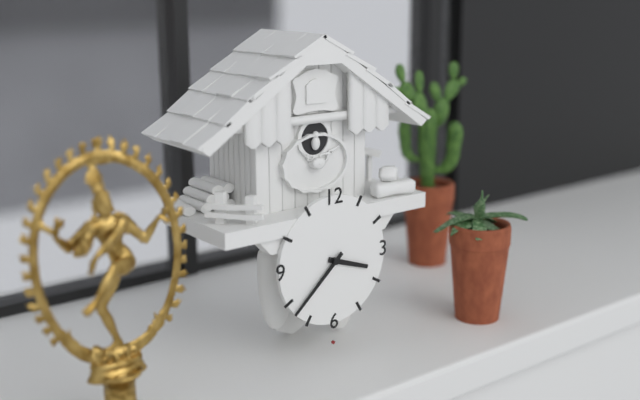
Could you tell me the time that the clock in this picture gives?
3:38
